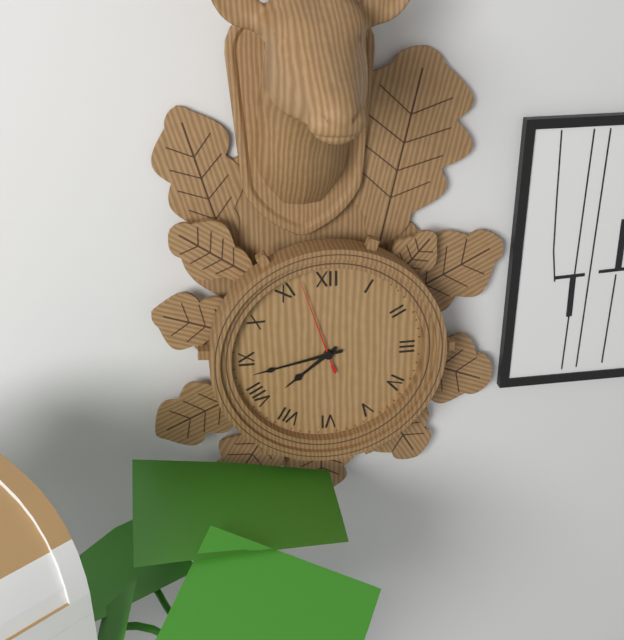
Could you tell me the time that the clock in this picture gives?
7:43:57
